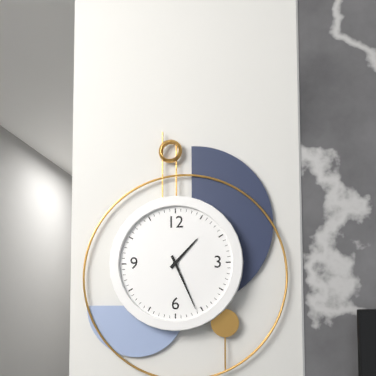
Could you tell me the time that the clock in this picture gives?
1:26
